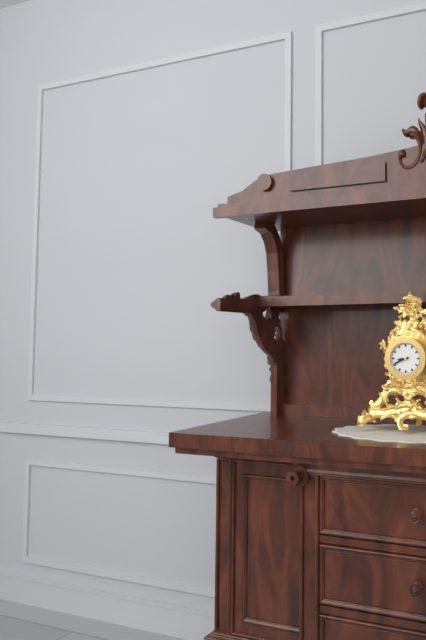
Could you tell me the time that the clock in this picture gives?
8:41
